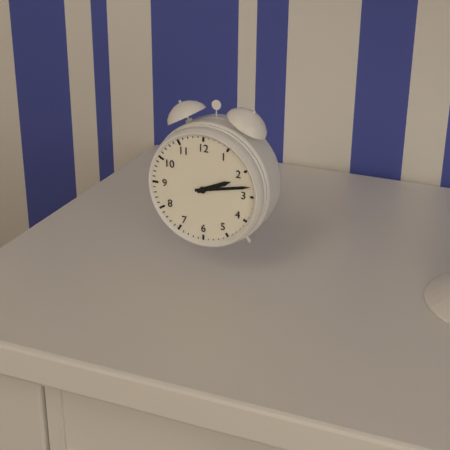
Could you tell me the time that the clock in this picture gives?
2:13
